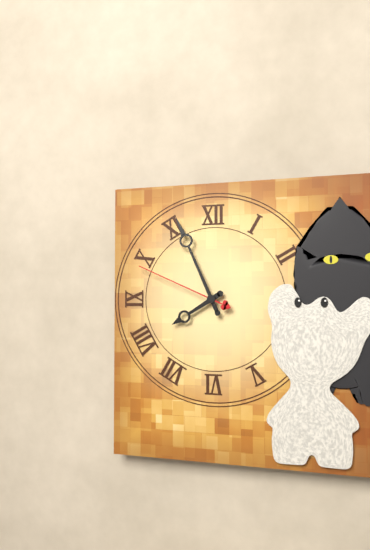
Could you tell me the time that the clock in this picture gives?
7:56:49
